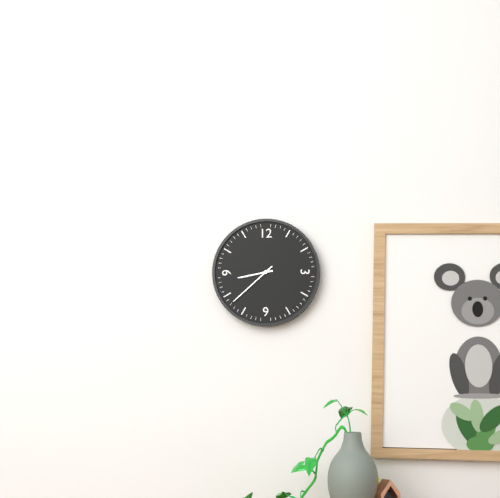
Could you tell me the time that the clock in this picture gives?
8:38
